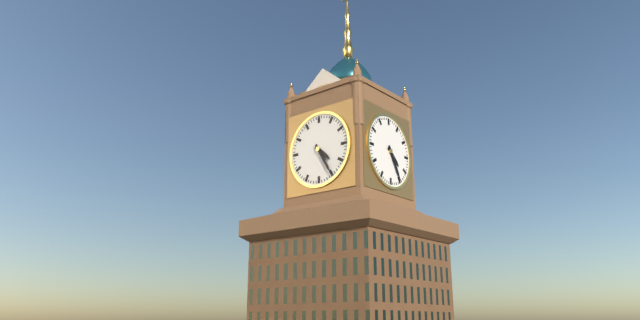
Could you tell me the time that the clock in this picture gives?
4:25
